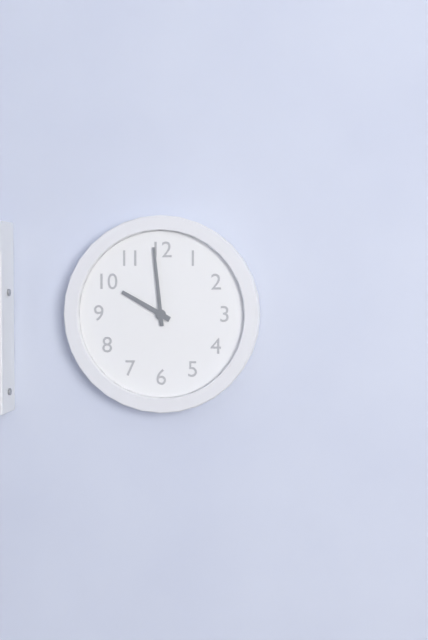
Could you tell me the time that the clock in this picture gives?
9:59
